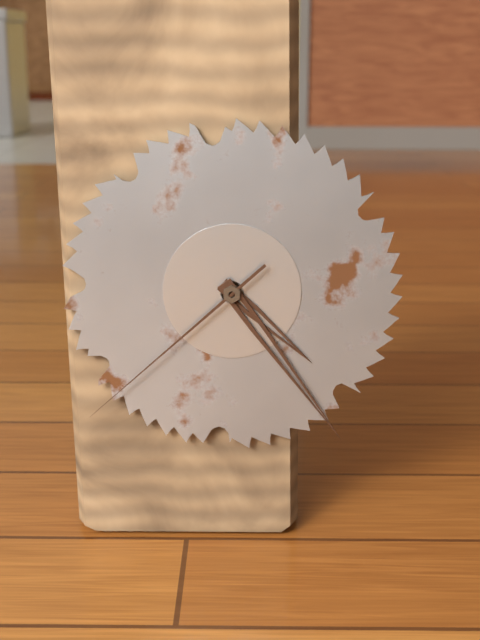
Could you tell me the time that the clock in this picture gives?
4:24:38
